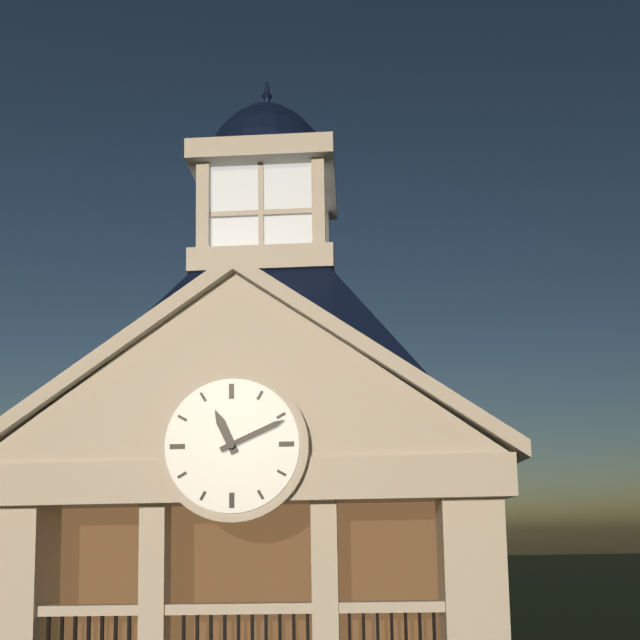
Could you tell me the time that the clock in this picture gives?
11:11
